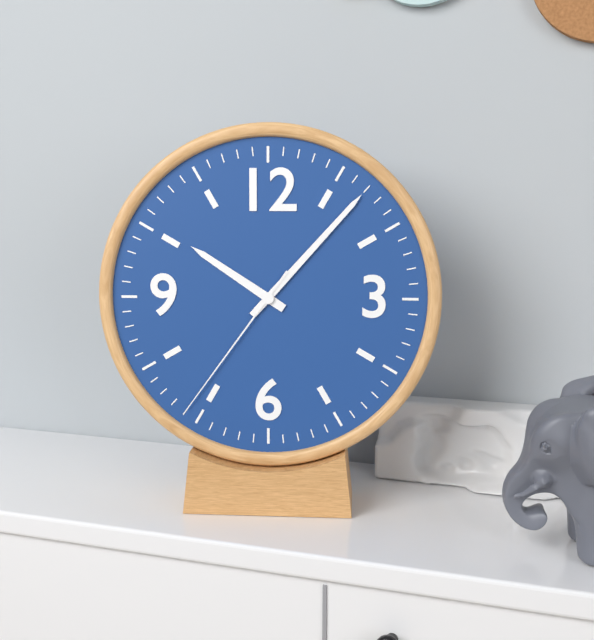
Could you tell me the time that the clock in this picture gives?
10:07:36
